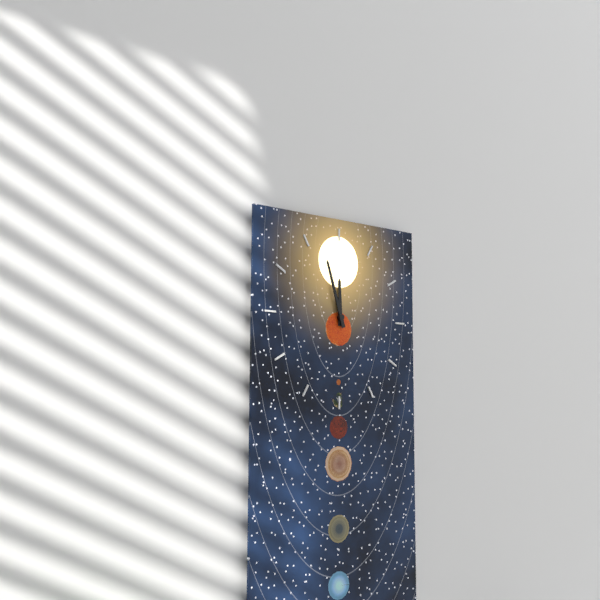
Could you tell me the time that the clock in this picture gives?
11:57
